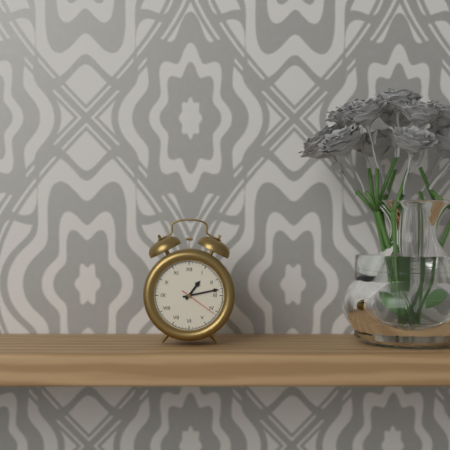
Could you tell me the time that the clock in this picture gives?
1:13
